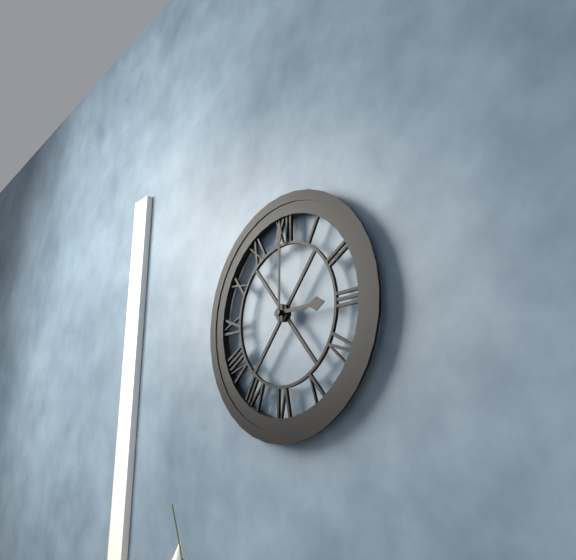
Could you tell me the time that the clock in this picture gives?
3:00
